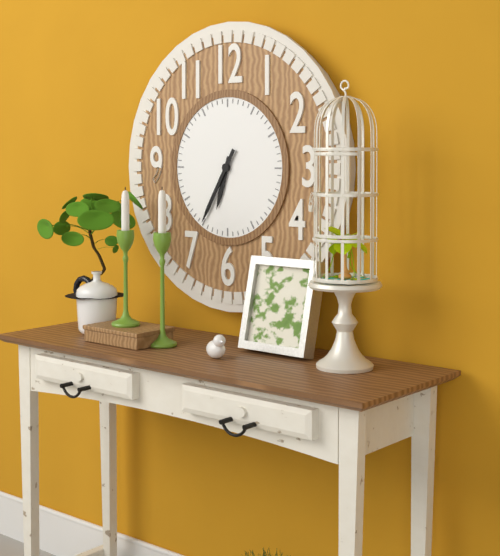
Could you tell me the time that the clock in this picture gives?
6:35
